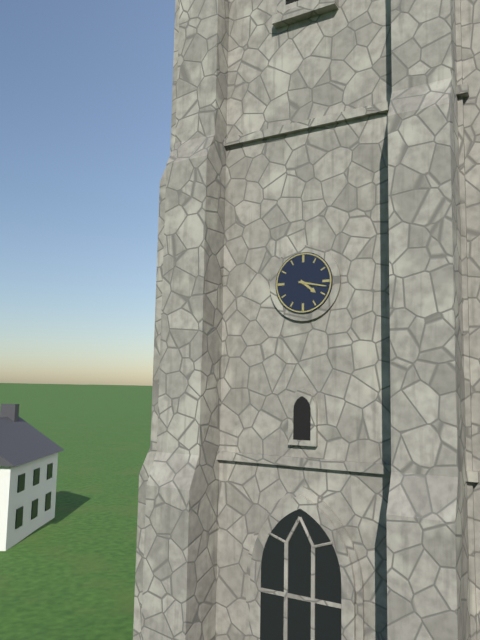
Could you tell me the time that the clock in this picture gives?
4:17
